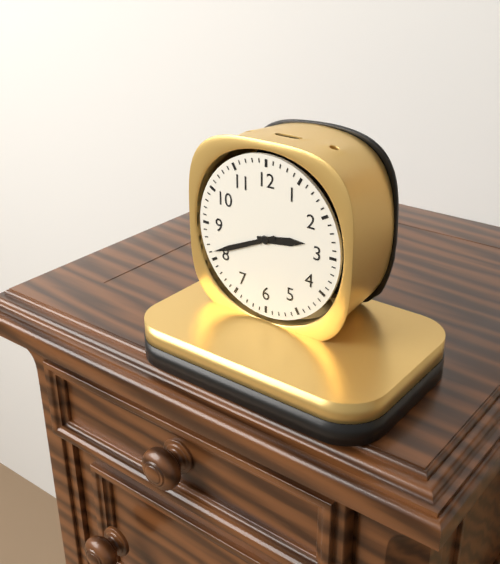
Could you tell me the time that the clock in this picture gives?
2:41
